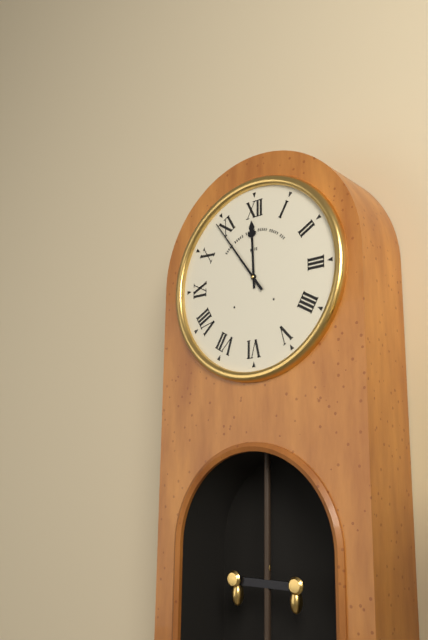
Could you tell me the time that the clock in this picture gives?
11:54
